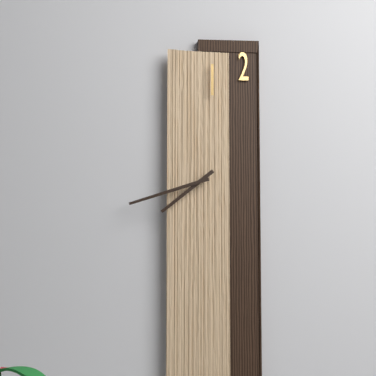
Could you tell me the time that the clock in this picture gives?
7:42
